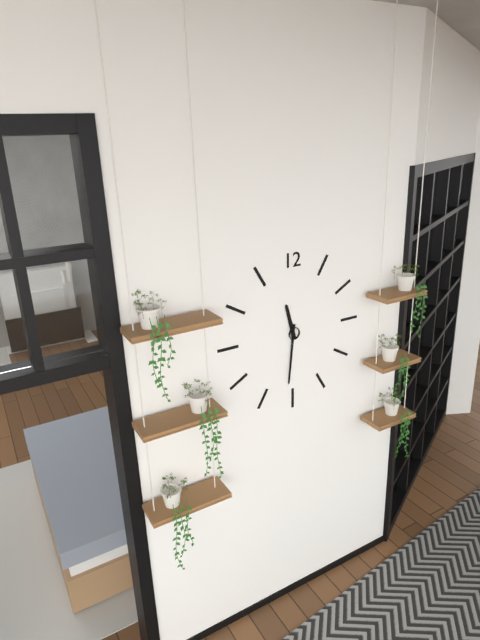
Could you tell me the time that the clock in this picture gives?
11:31
